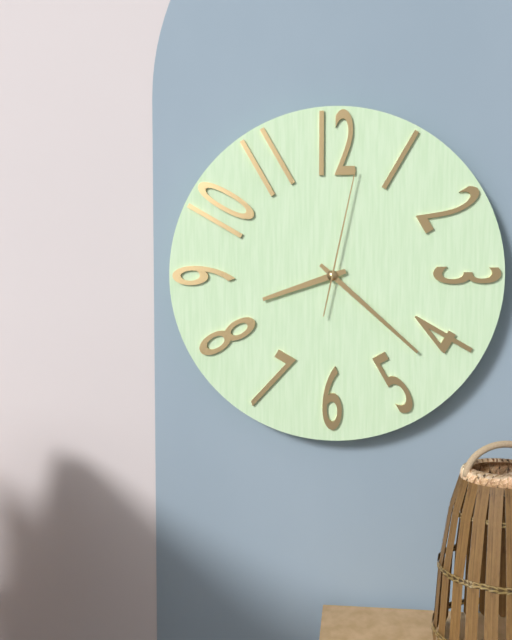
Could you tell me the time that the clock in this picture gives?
8:22:02
